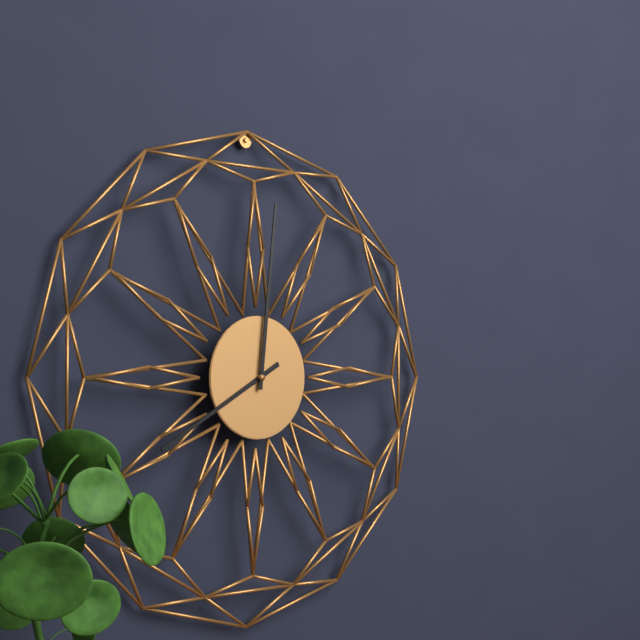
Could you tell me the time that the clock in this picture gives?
8:01
